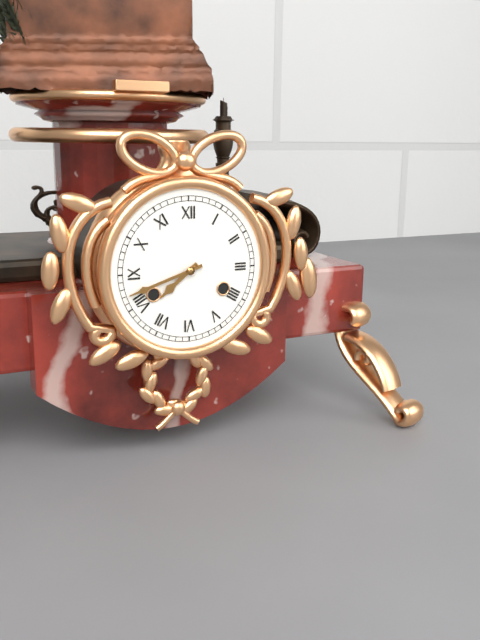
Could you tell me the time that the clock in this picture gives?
7:42
